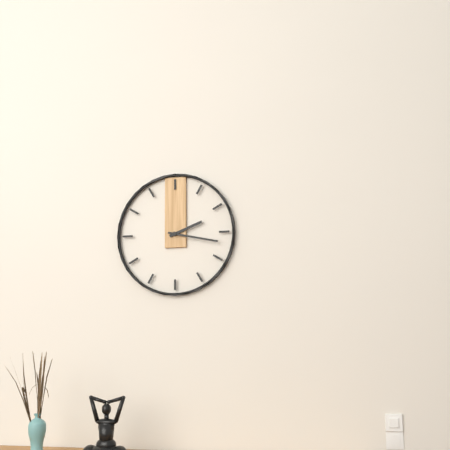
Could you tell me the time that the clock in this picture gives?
2:17
